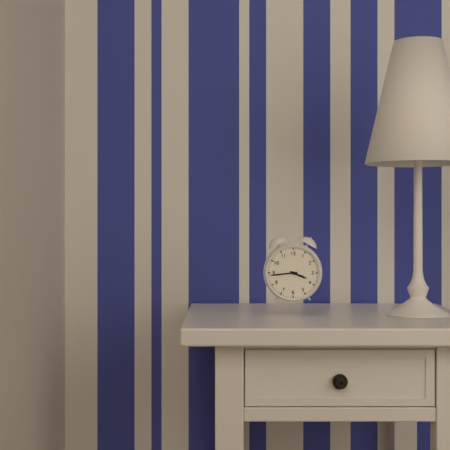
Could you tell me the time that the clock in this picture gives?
3:44
